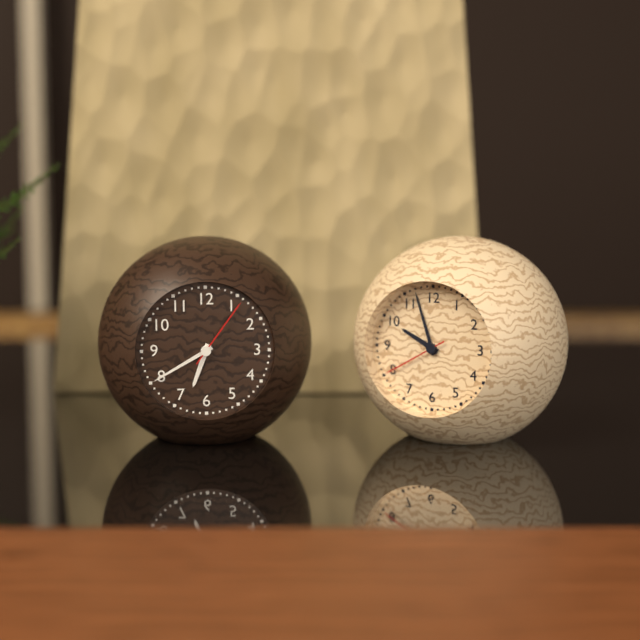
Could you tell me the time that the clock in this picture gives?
6:40:06
